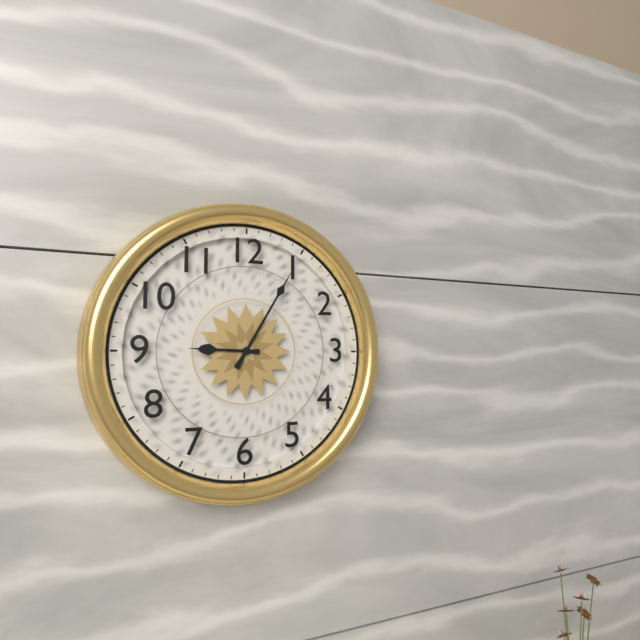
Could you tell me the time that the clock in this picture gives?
9:05
